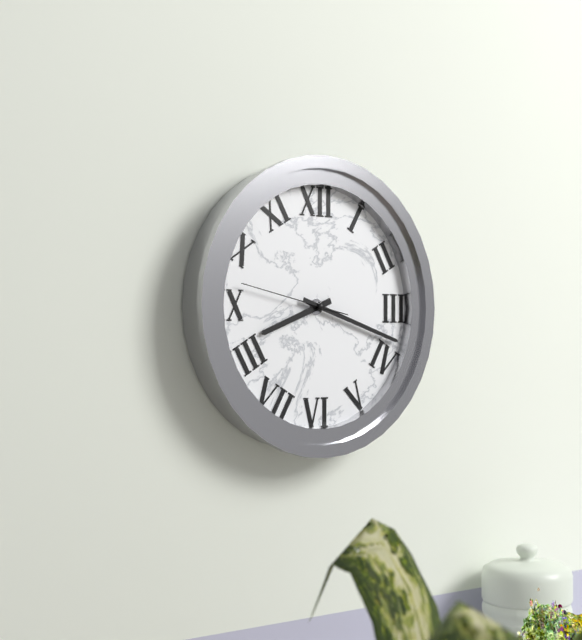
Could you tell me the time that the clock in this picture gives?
8:18:47
